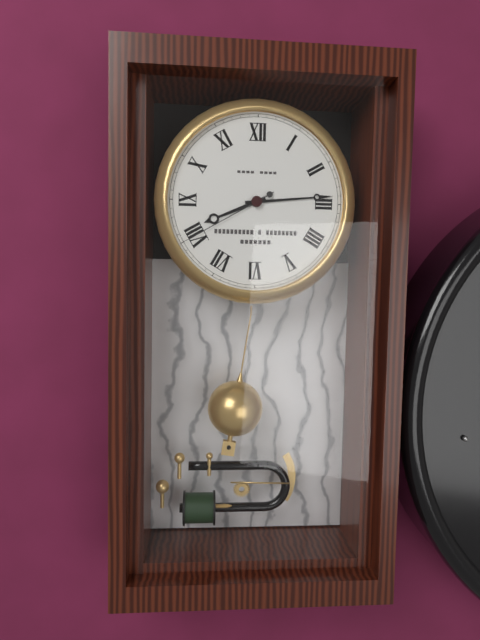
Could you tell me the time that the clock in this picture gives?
8:14:40
